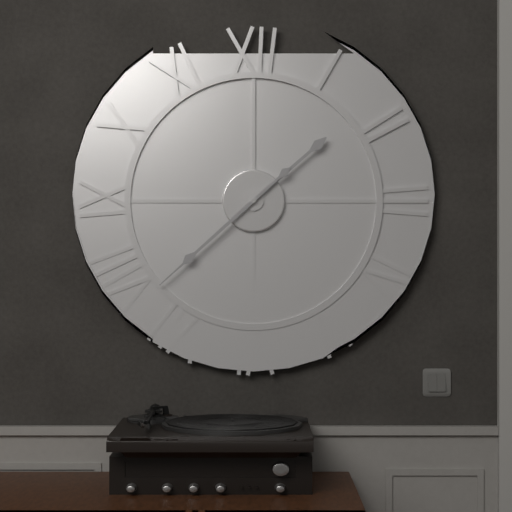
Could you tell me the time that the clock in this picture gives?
1:38
